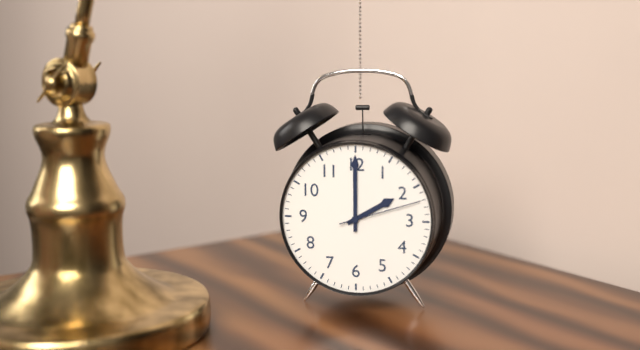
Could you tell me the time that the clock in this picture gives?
2:00:12
